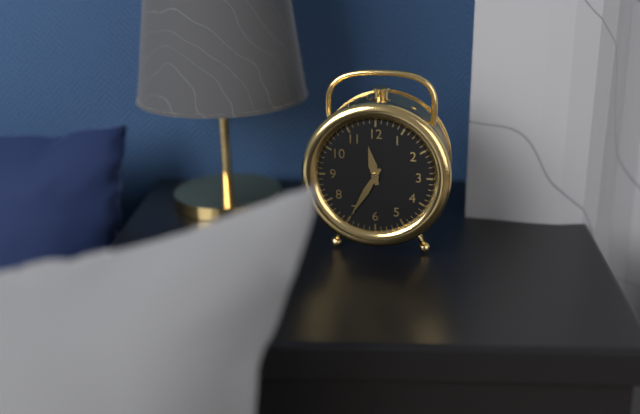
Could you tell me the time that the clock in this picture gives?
11:35
